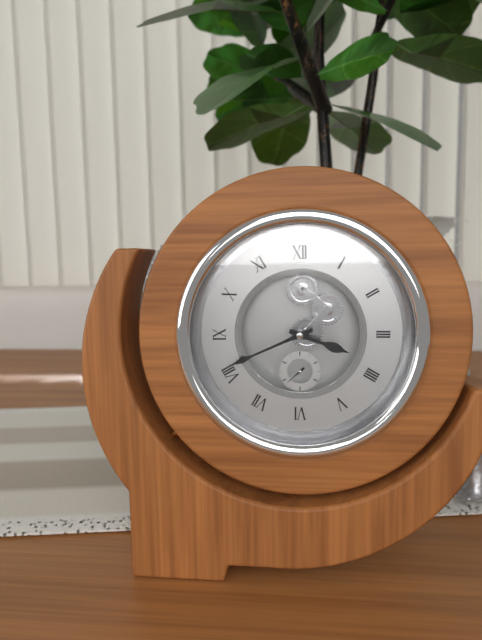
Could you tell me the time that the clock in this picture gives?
3:41
